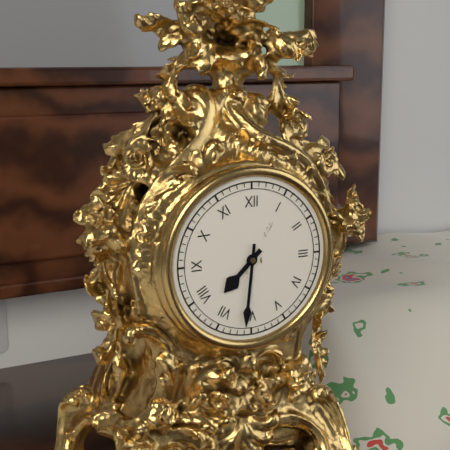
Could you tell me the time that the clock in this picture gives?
7:31
